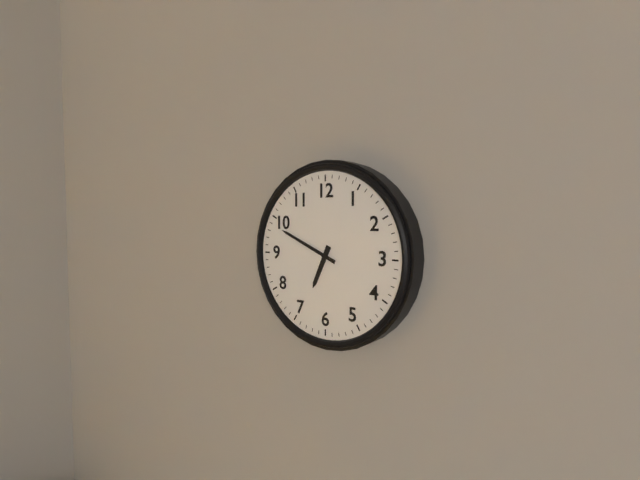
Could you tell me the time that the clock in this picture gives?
6:49
